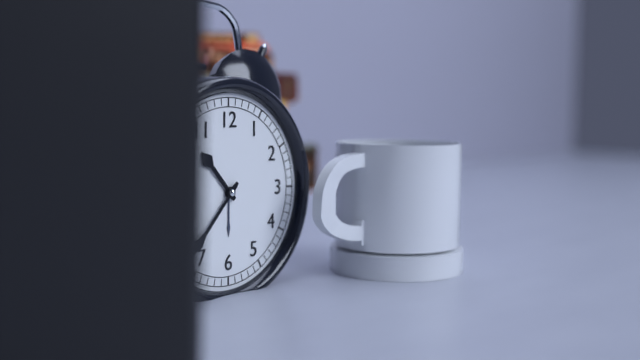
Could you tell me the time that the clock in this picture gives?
10:37
